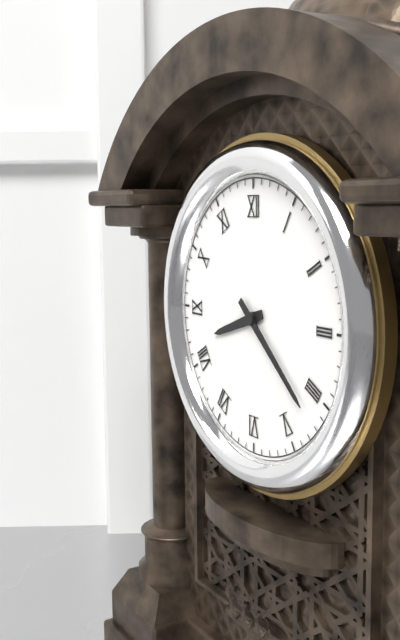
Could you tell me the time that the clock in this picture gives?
8:22
